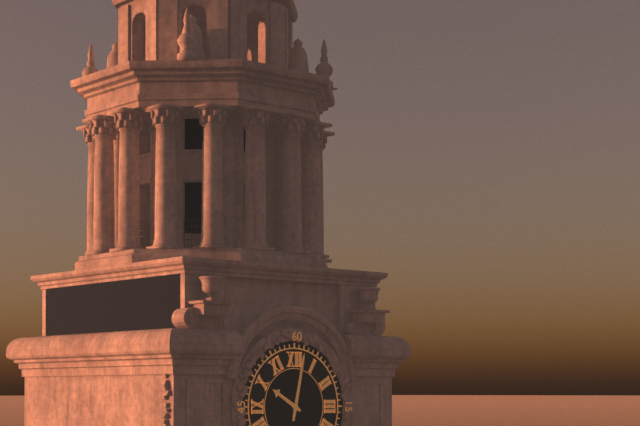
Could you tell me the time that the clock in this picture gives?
10:02
